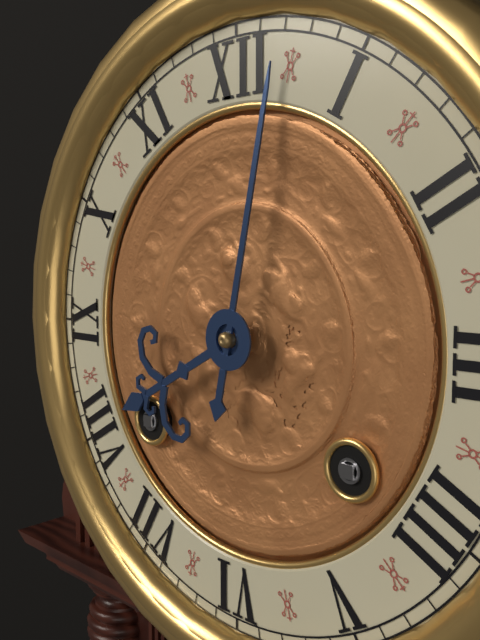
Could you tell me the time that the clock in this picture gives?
8:02
